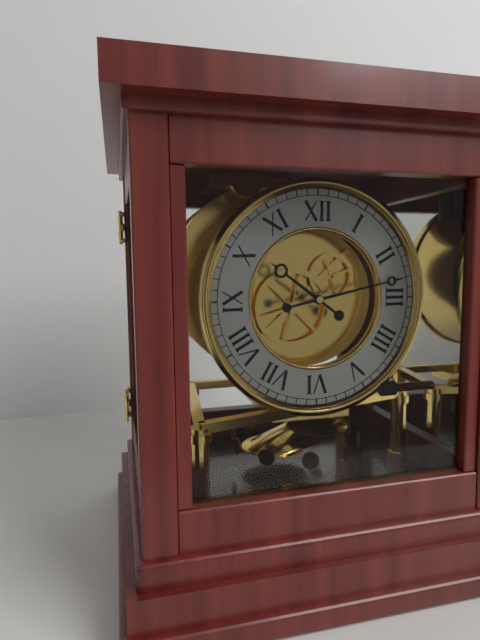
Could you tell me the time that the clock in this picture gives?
10:13
